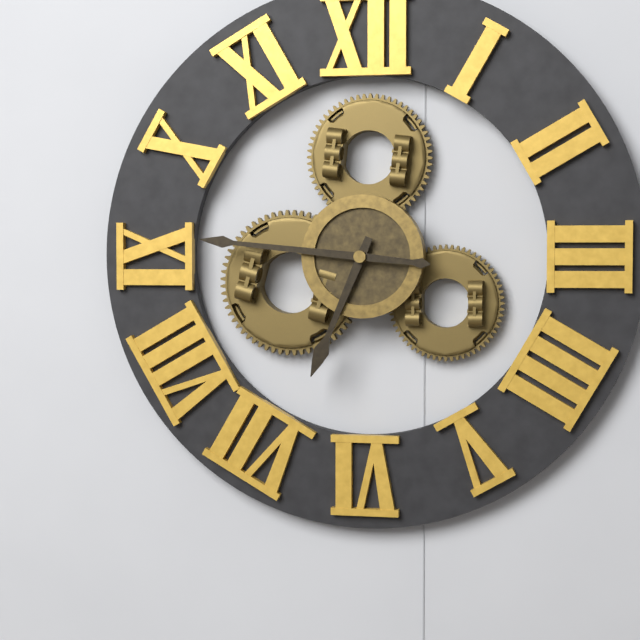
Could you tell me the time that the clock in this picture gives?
6:46
